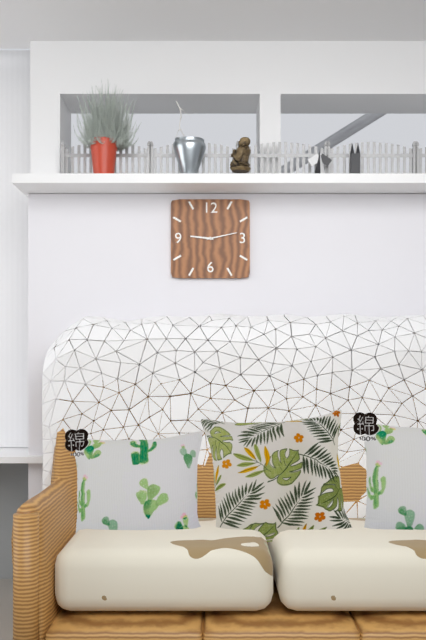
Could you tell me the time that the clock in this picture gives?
9:13
